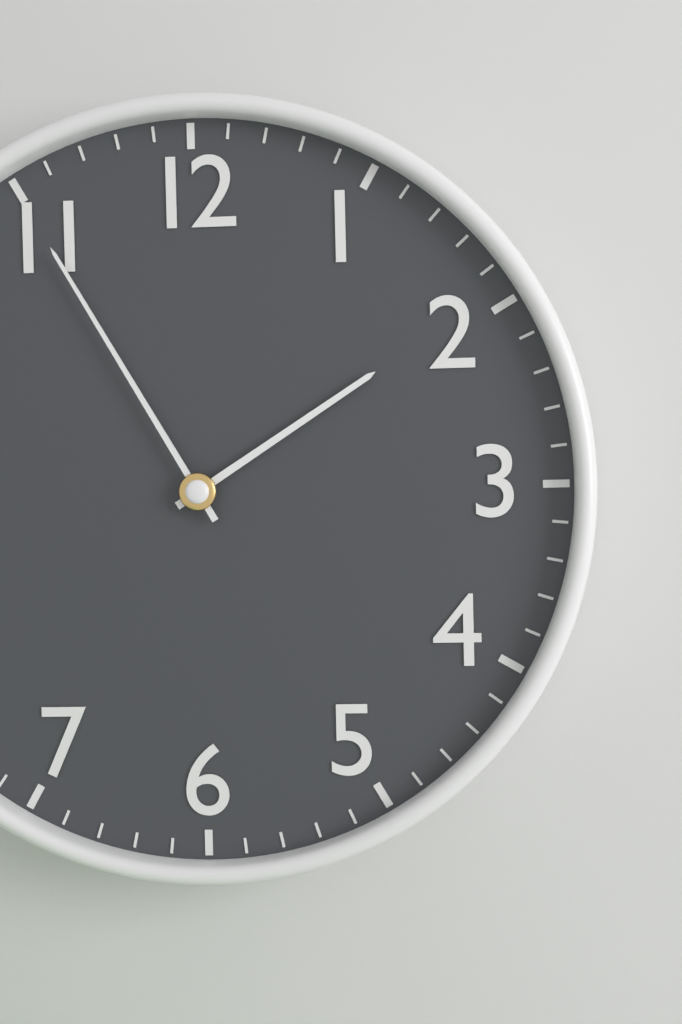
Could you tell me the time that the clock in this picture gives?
1:55
